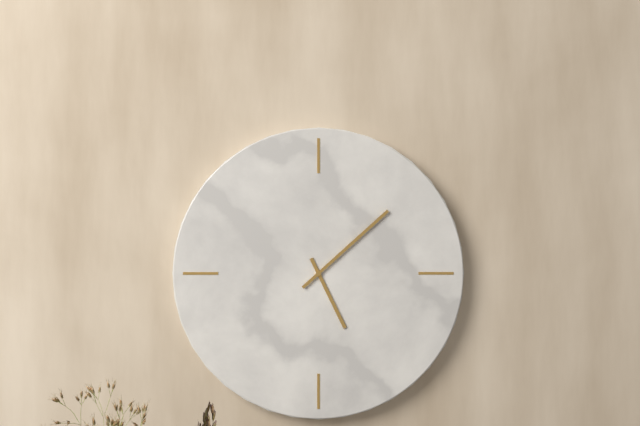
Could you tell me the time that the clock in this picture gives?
5:08
